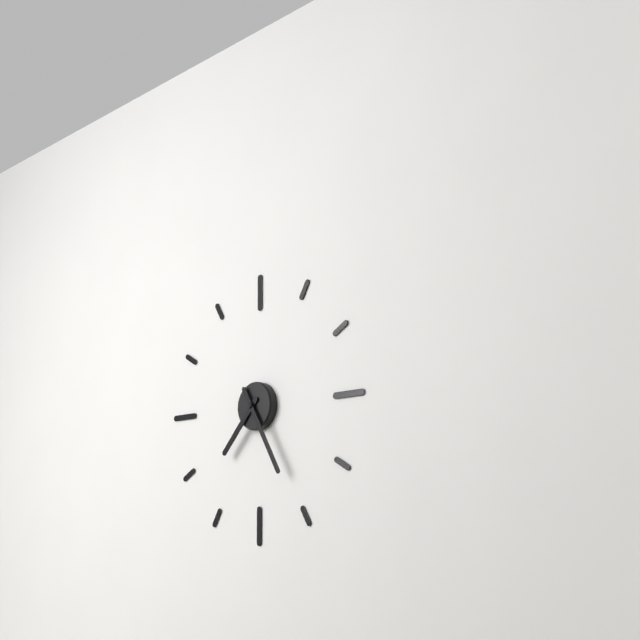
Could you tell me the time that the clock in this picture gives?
7:25
